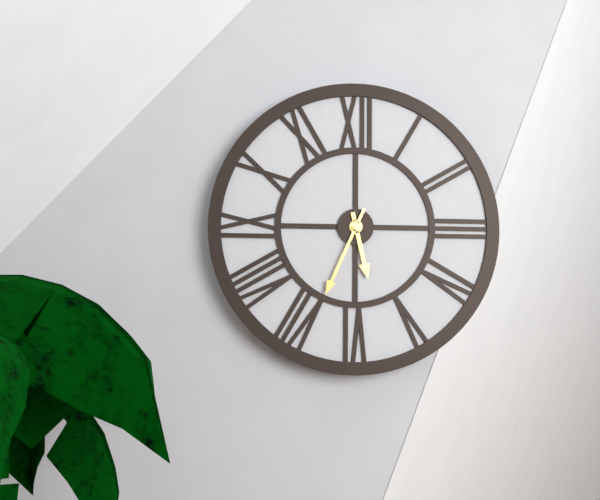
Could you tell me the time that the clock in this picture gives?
5:34
